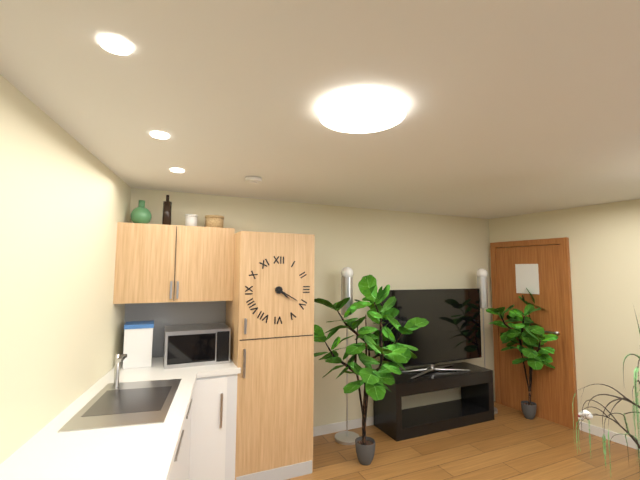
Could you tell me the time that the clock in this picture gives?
4:20
